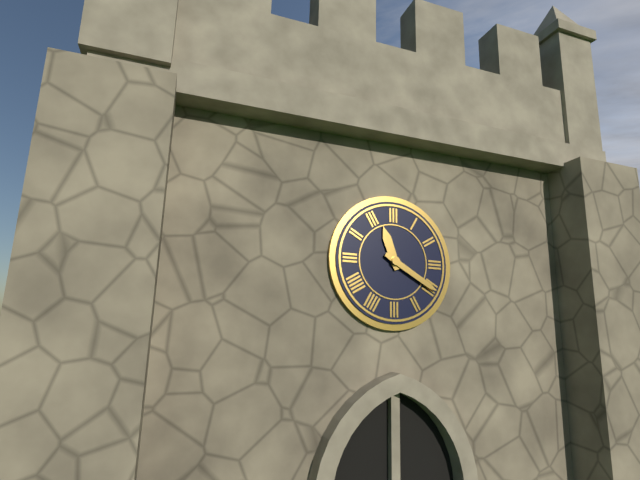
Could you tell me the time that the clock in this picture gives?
11:20
